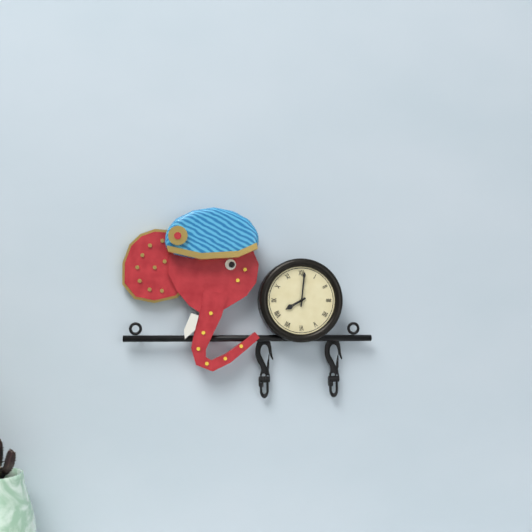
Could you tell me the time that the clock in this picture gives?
8:01
